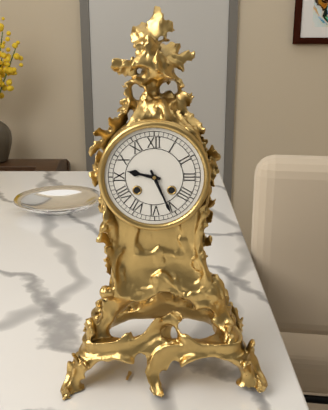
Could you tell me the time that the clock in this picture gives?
9:26
